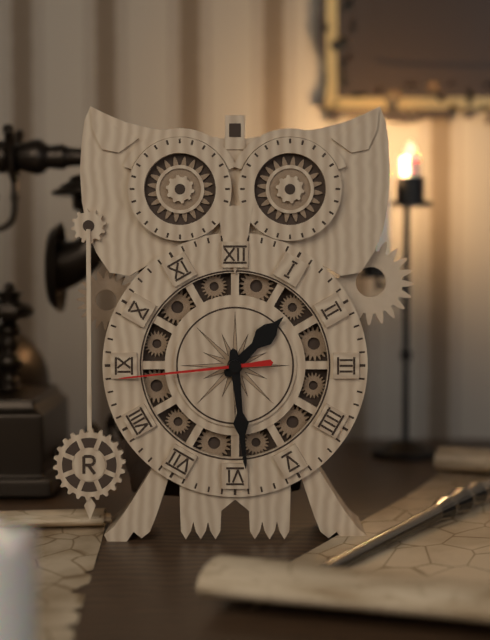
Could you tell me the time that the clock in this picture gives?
1:29:44
